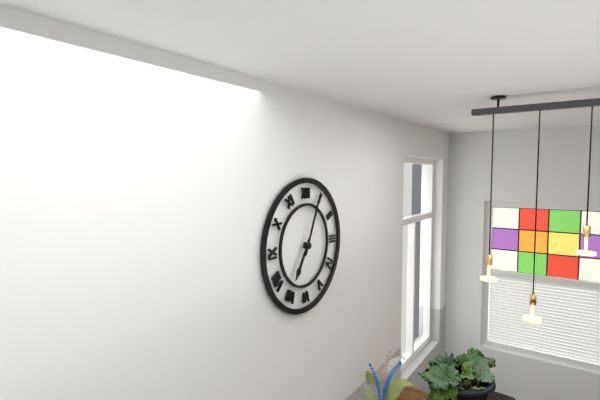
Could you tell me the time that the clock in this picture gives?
7:04
